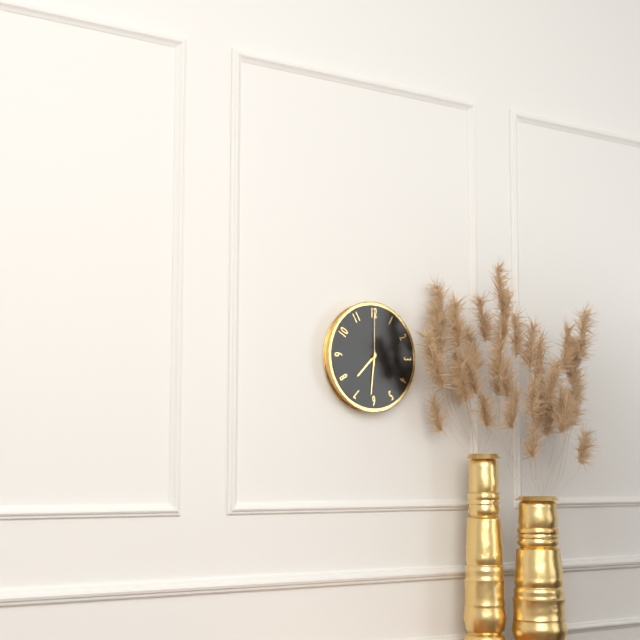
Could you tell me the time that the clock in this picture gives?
7:31:00
